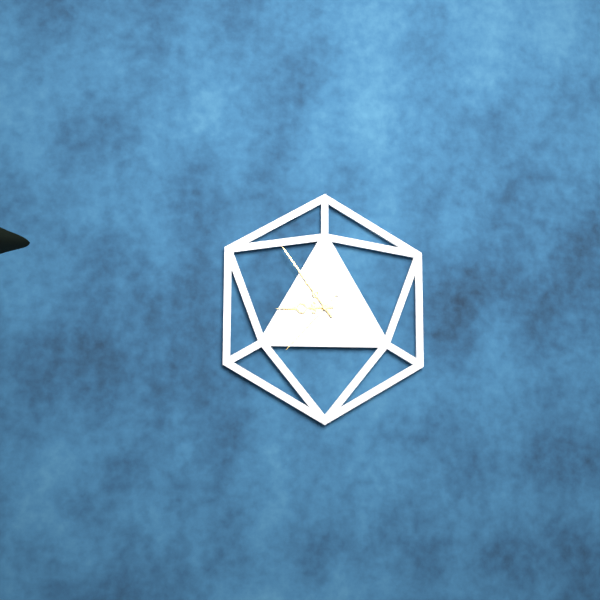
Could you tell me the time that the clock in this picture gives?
8:54:37
